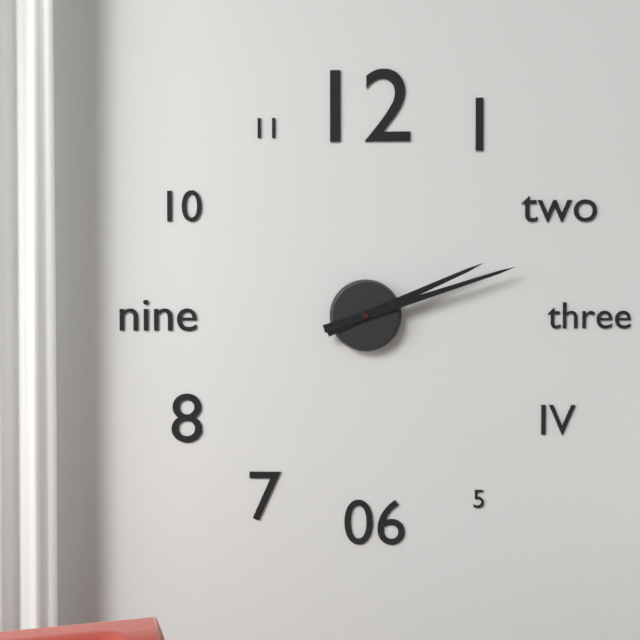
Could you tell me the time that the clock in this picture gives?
2:12
